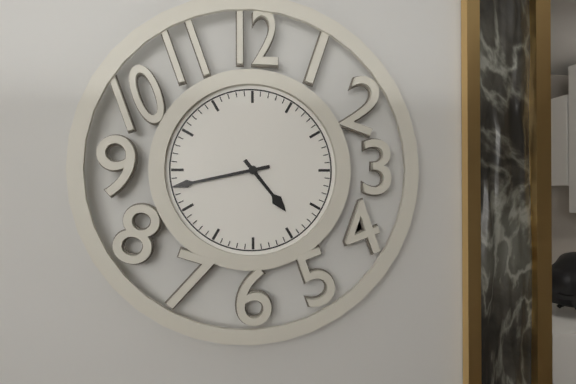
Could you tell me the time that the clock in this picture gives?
4:43
